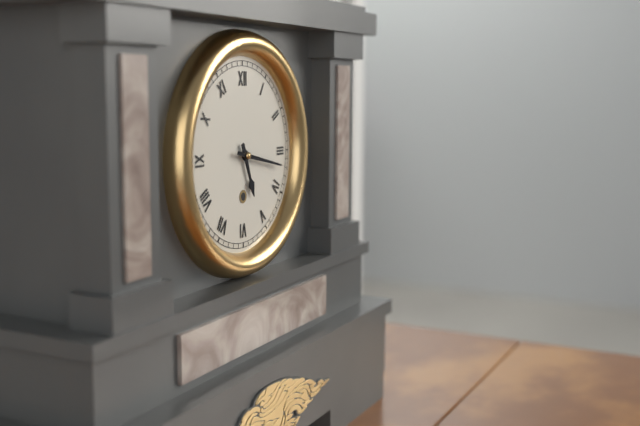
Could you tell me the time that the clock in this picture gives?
5:17
